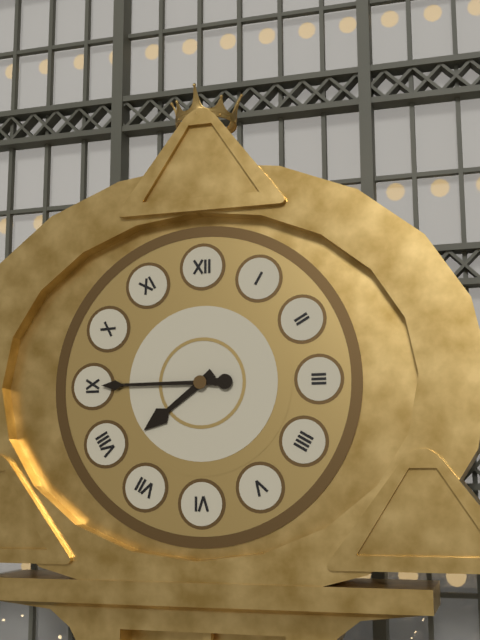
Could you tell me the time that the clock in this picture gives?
7:45
